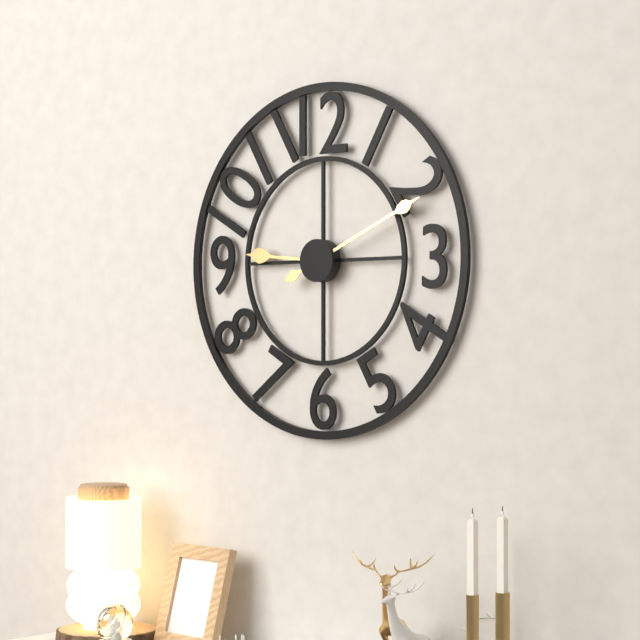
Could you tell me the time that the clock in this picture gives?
9:11
